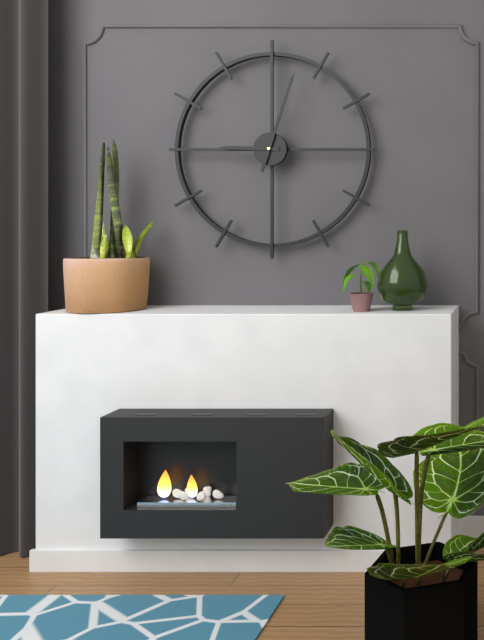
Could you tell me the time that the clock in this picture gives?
9:03
